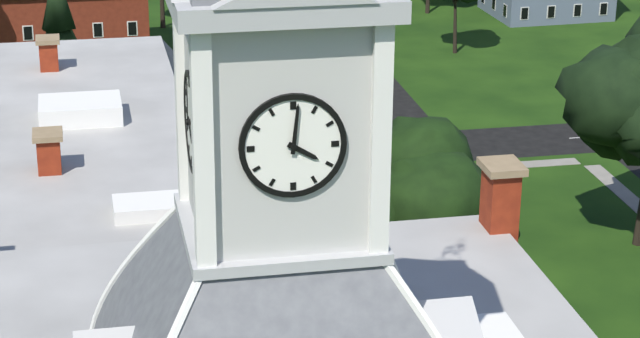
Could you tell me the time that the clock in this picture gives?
4:01
